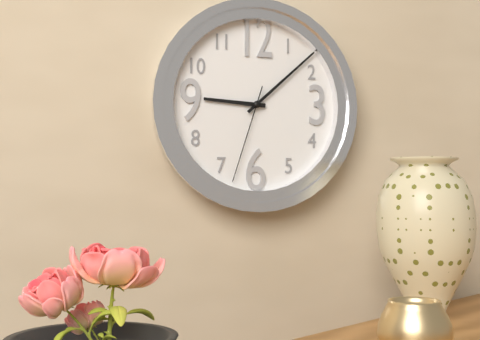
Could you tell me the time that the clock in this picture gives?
9:08:33
